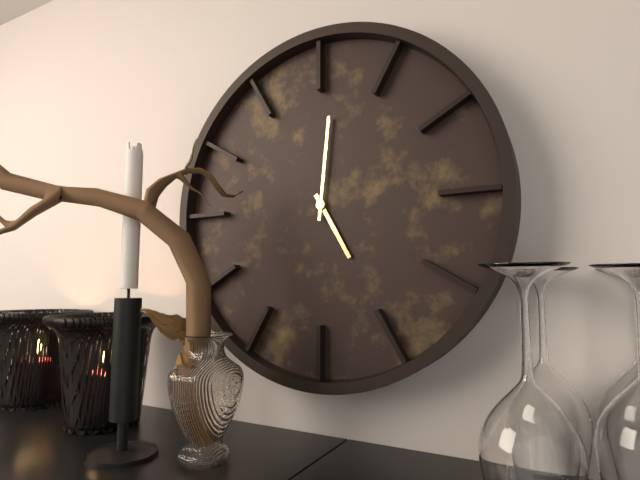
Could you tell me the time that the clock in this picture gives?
5:01
